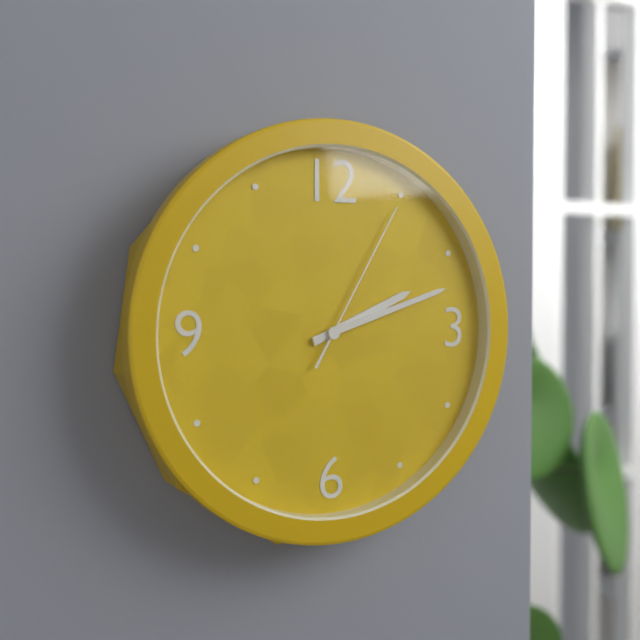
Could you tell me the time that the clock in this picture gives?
2:12:05
